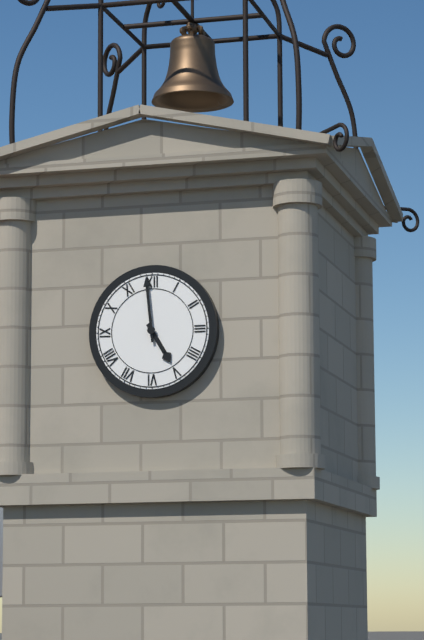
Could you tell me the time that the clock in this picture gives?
4:59
